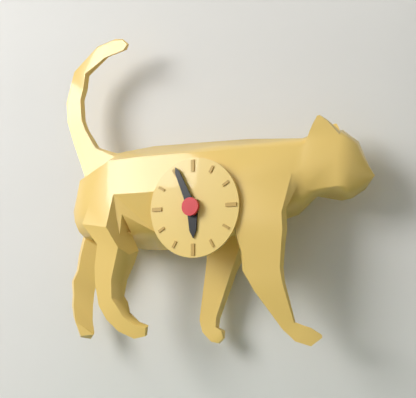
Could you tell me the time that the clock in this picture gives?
5:56
